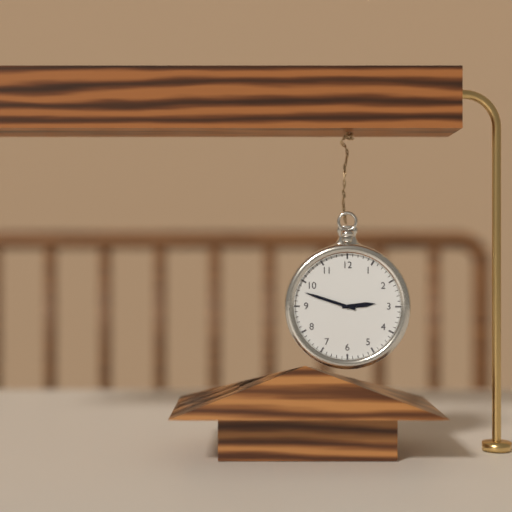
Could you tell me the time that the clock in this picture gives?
2:48
